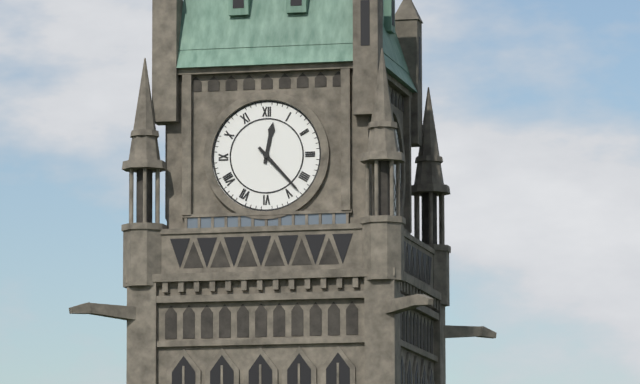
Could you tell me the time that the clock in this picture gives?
12:23
